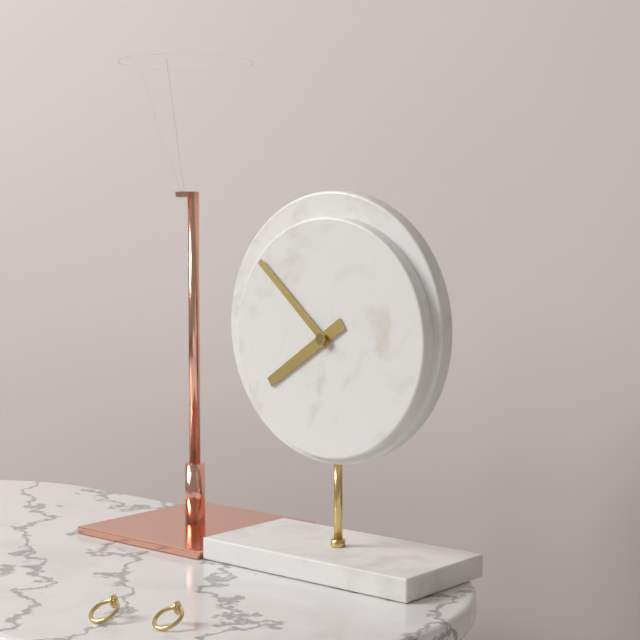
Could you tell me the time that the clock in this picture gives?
7:52
